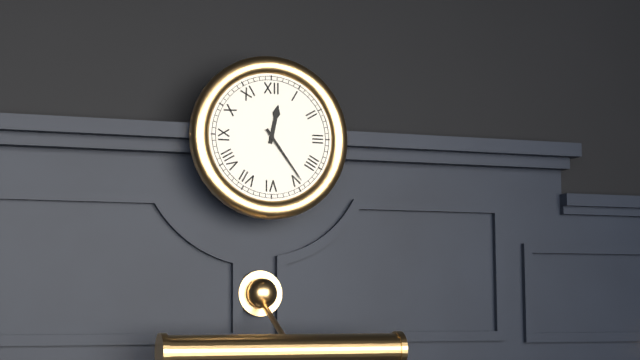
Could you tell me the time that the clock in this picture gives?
12:24
